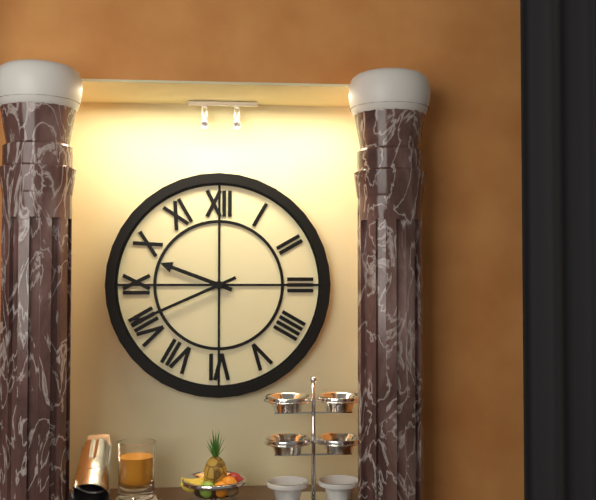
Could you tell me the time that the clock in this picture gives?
9:41
